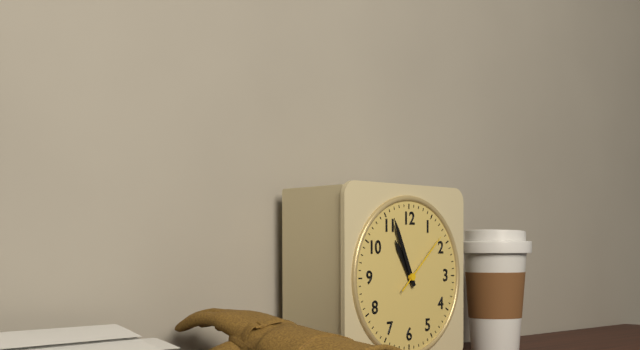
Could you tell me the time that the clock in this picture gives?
10:56:08
